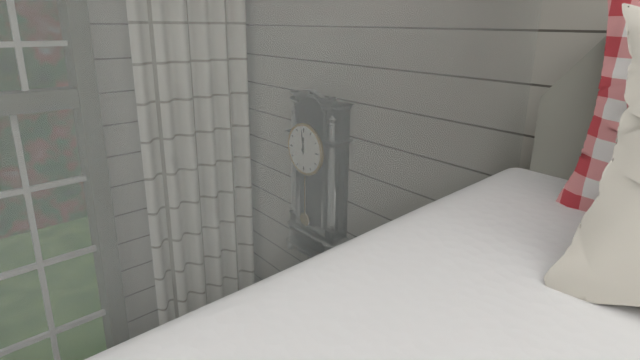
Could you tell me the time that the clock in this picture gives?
11:59
